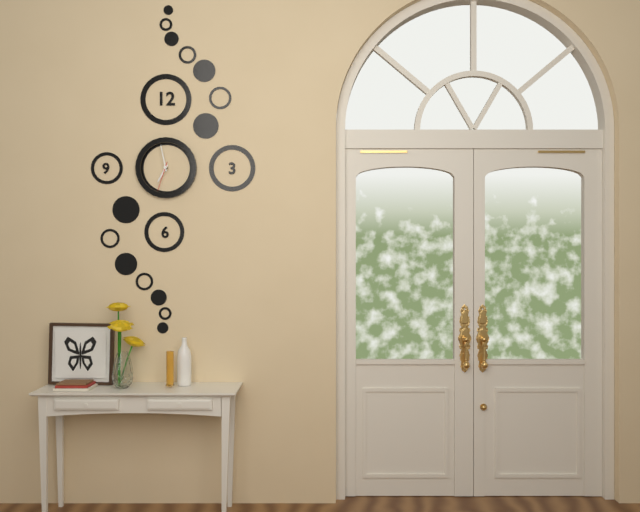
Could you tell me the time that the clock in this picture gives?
6:58
